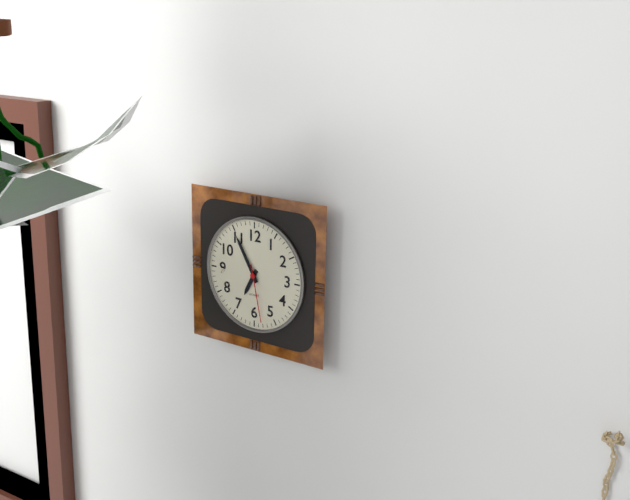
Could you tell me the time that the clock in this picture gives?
6:55:28
